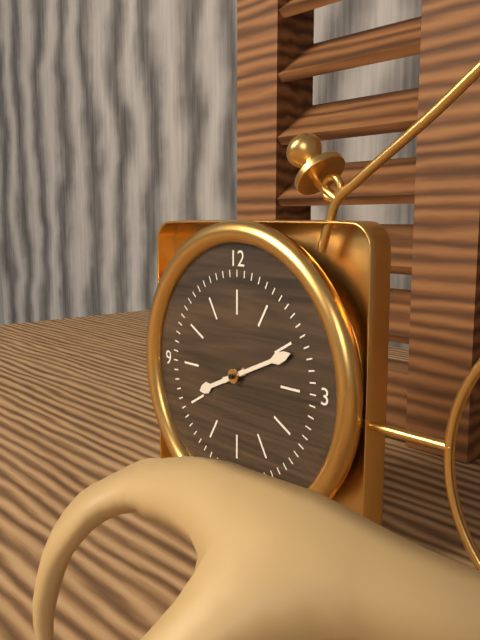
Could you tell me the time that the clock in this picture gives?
8:11
